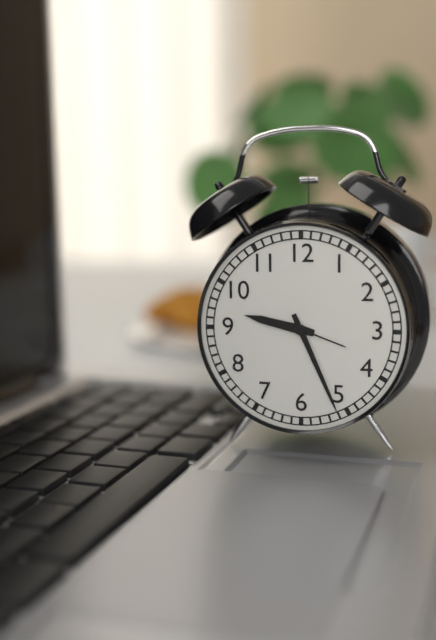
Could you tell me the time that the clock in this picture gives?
9:26
